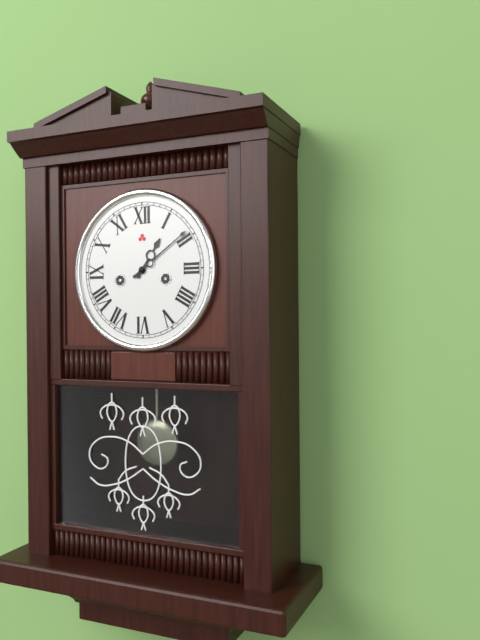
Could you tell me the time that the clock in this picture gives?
1:09
